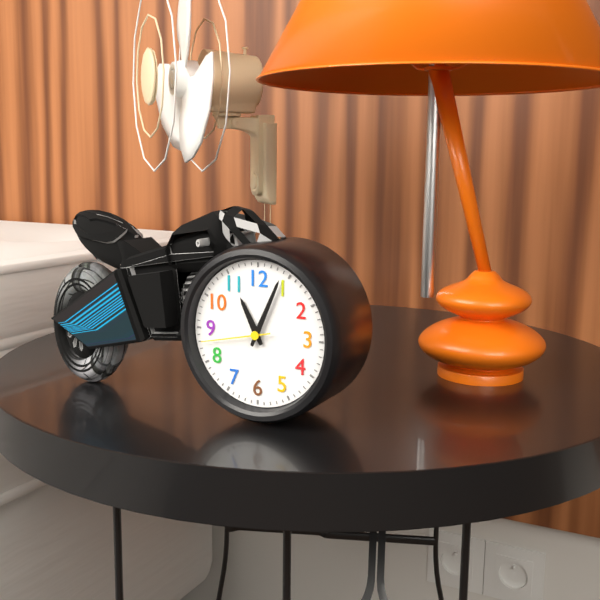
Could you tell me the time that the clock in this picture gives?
11:04:43
